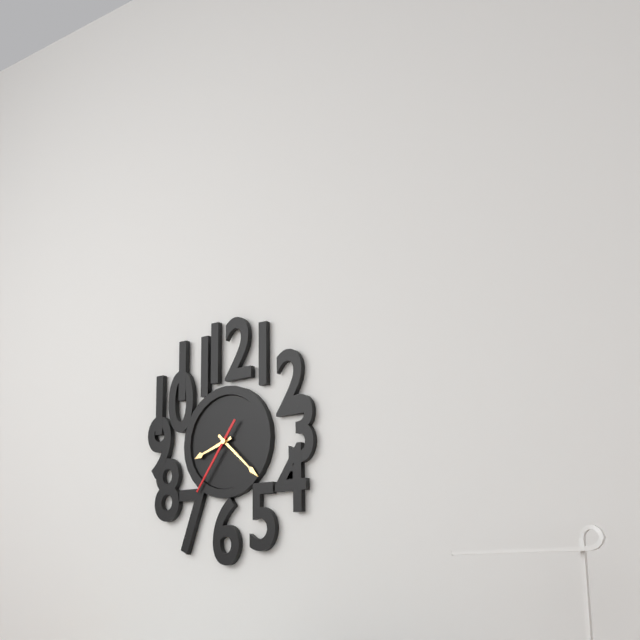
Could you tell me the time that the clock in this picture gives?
8:22:36
